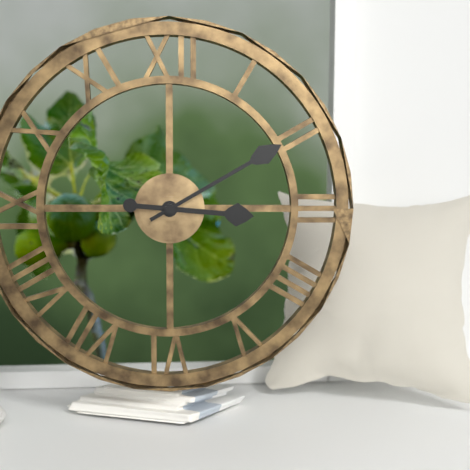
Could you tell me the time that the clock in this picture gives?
3:10
